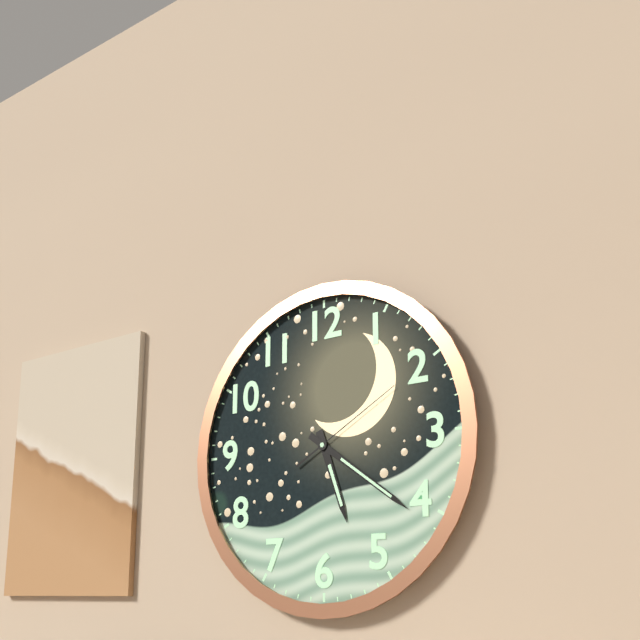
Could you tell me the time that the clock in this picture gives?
5:21:10
